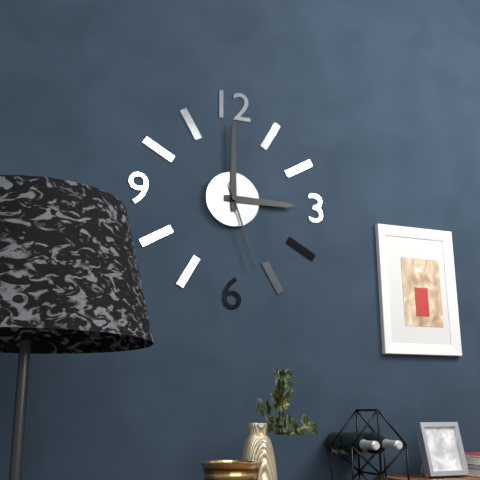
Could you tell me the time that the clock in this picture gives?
3:00:27
